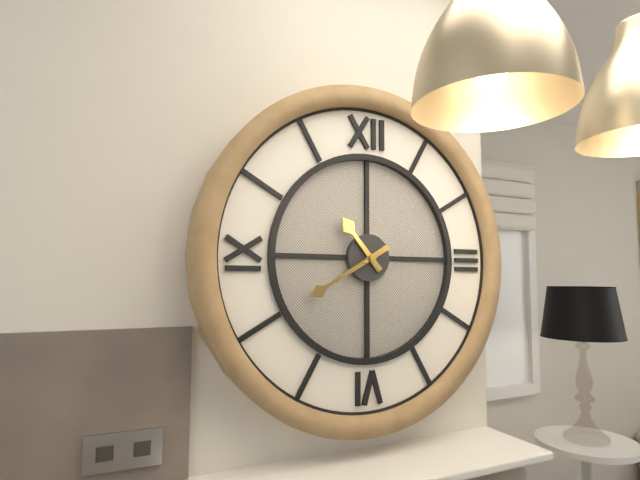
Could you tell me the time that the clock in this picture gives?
10:40
